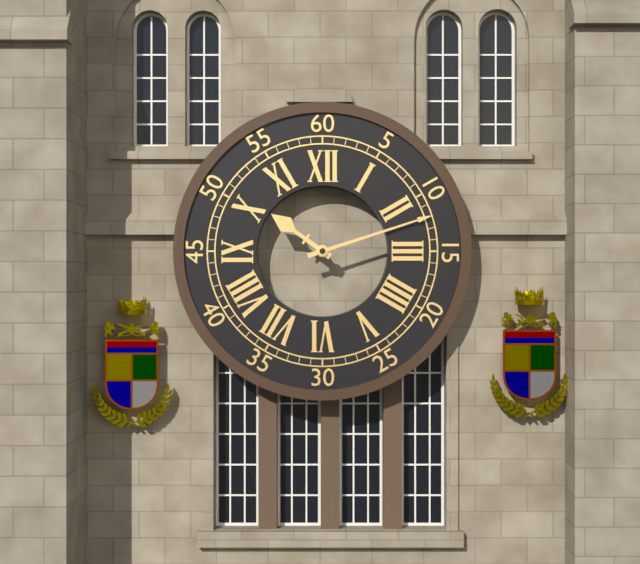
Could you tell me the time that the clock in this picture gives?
10:12
